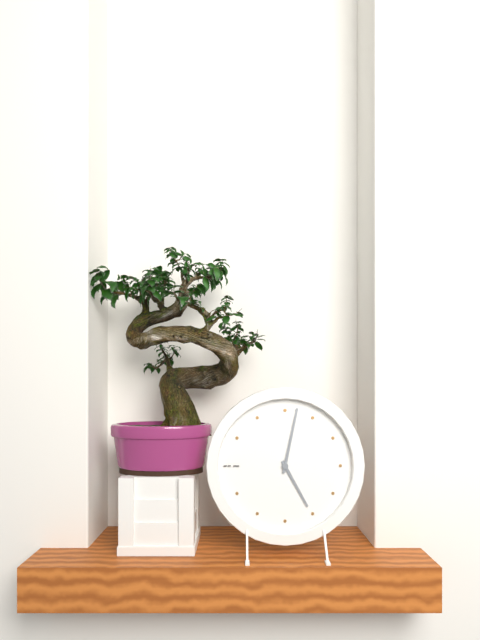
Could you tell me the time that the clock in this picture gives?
5:02
